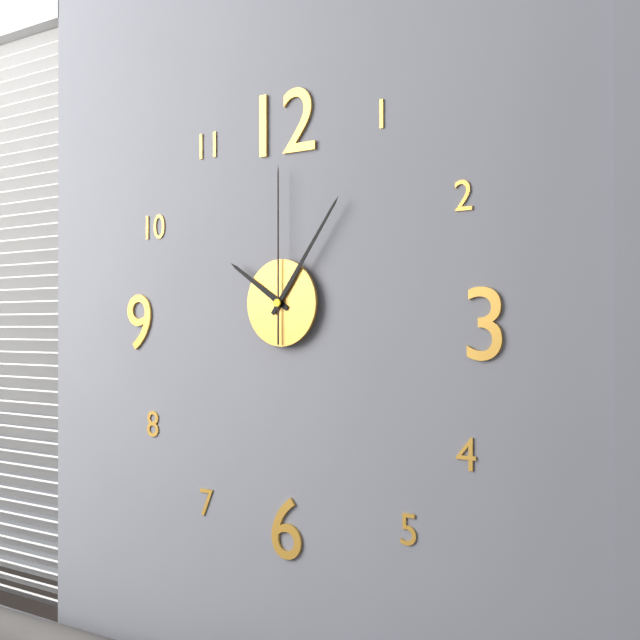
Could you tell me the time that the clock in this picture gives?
10:06:00
